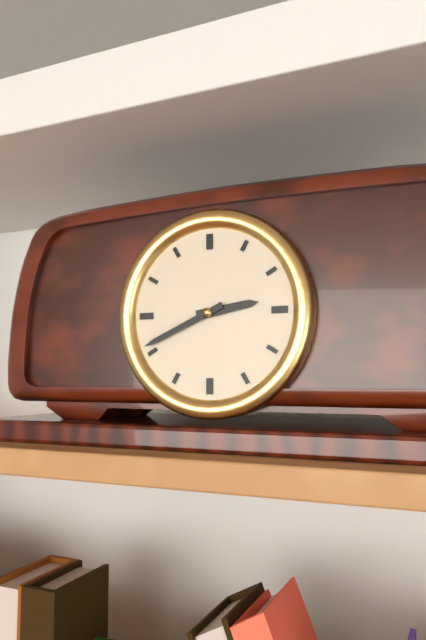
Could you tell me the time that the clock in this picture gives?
2:41
